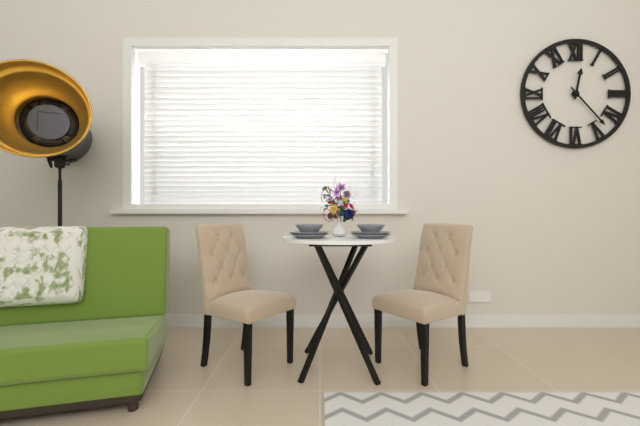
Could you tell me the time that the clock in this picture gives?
12:23
